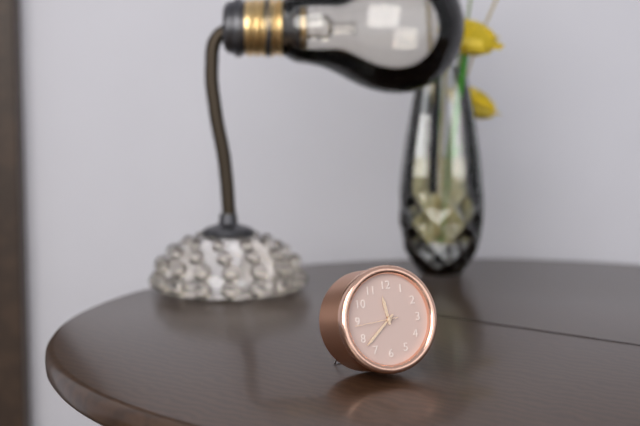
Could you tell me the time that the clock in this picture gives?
11:38
